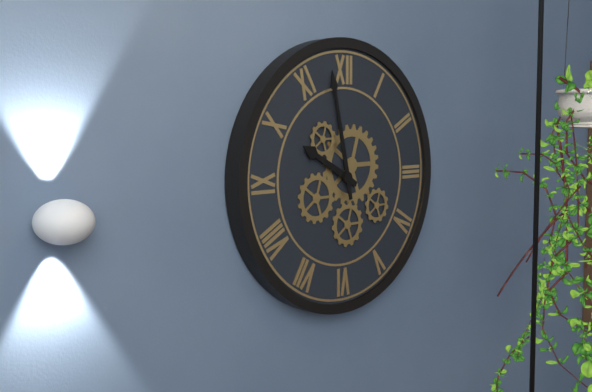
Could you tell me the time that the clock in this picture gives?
9:58
